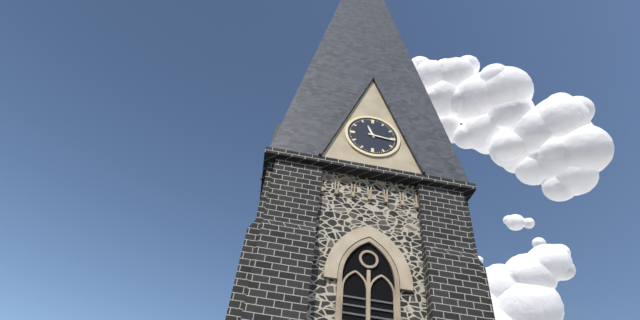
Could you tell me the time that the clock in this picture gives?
11:16
